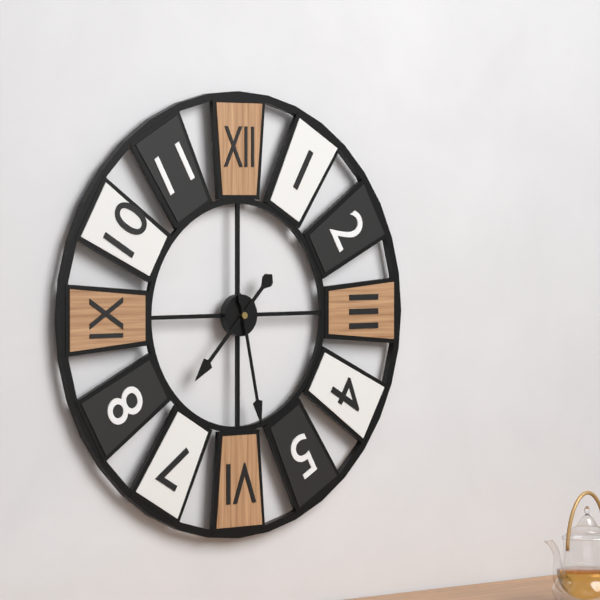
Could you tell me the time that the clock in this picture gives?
7:28
